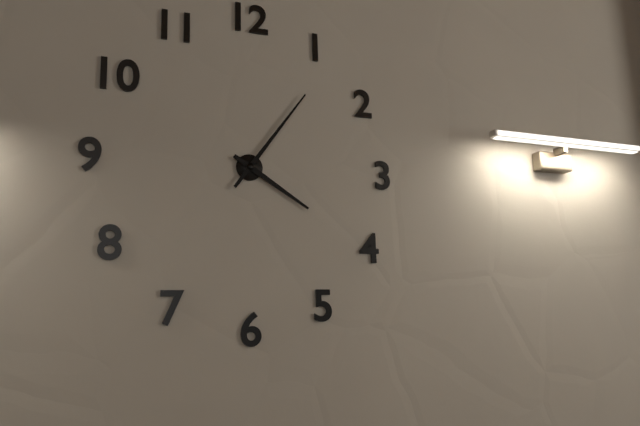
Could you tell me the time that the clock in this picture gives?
4:06
